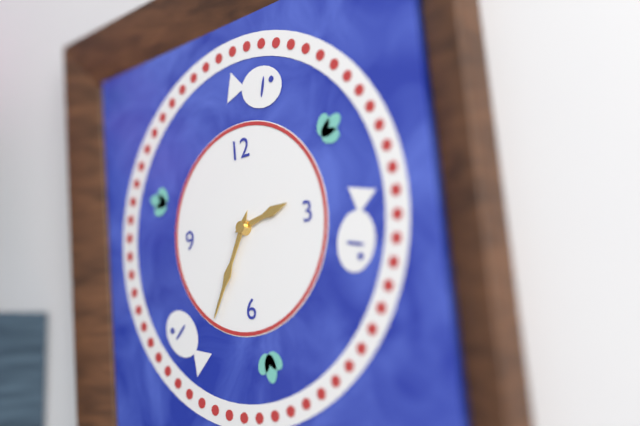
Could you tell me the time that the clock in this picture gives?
2:35
